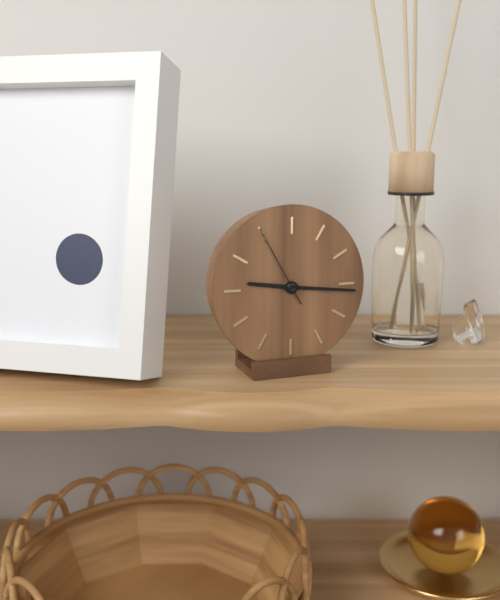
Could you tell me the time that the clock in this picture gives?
9:16:55
